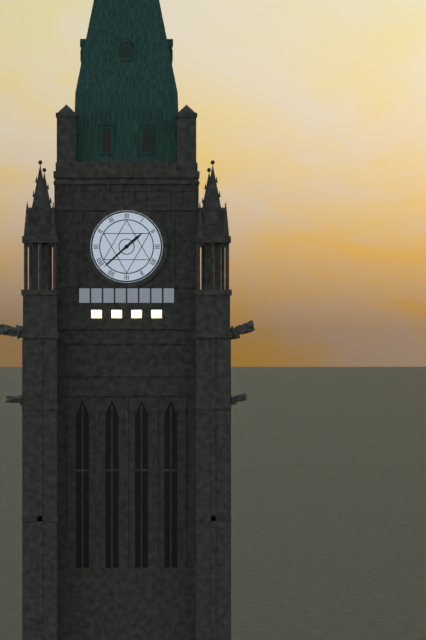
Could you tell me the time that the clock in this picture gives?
1:38
